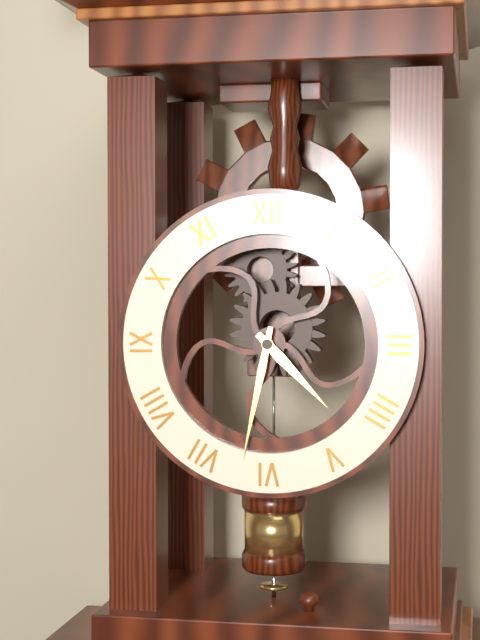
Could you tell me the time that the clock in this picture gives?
4:32
